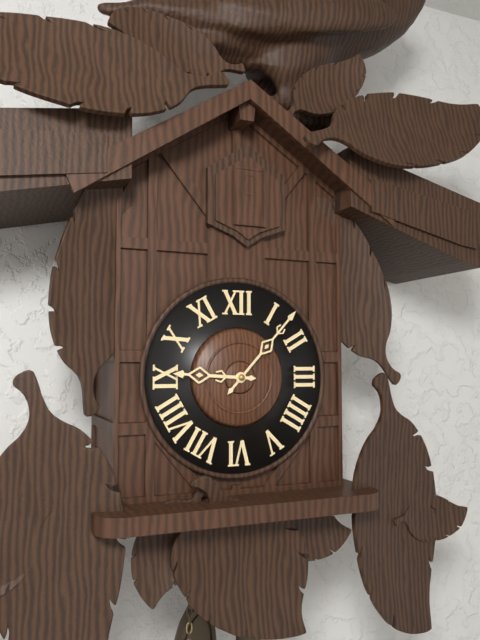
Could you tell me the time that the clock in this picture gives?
9:07
